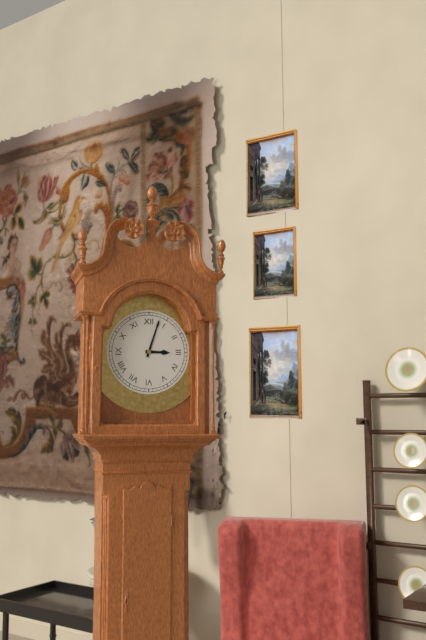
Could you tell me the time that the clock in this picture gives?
3:03
